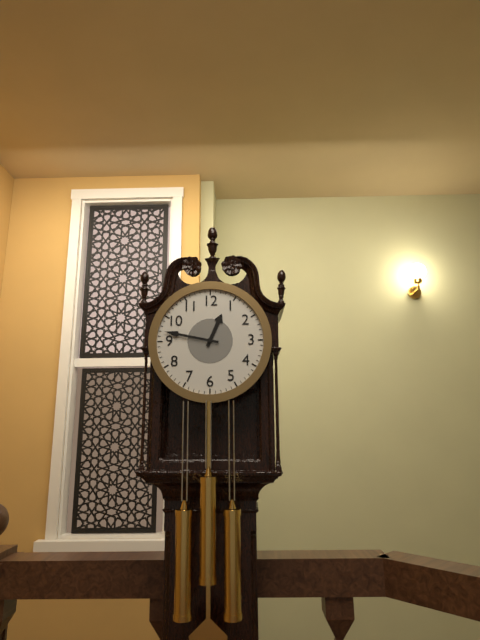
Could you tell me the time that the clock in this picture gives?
12:47
